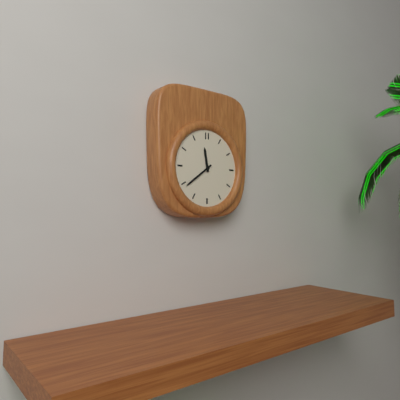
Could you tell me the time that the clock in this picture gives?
11:39
